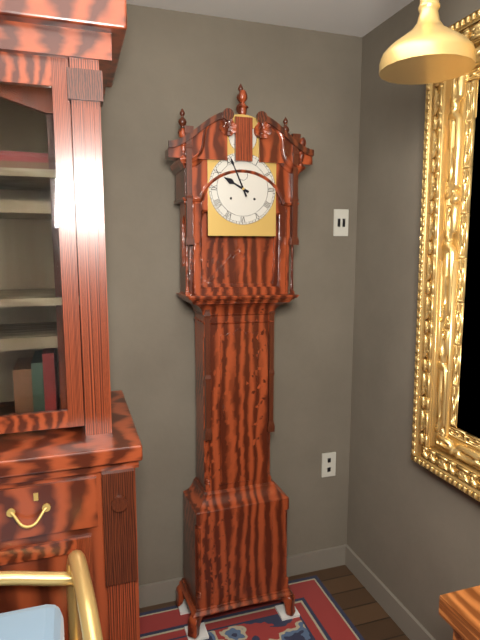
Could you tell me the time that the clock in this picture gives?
9:56
